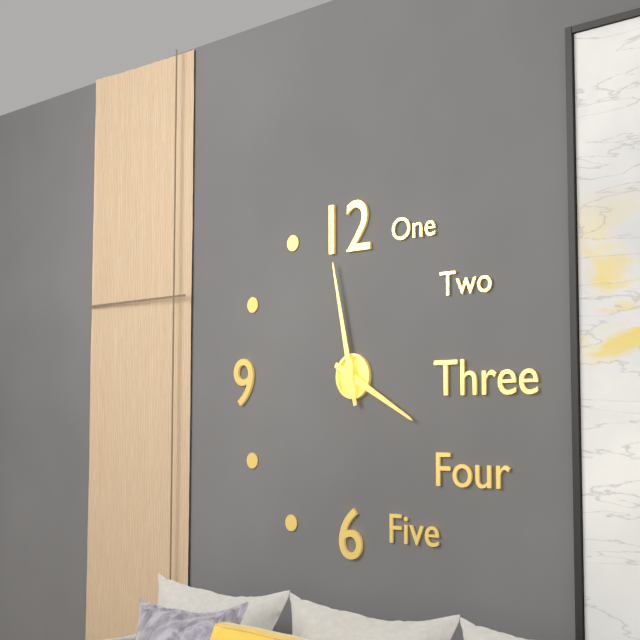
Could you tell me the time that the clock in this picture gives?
3:58
